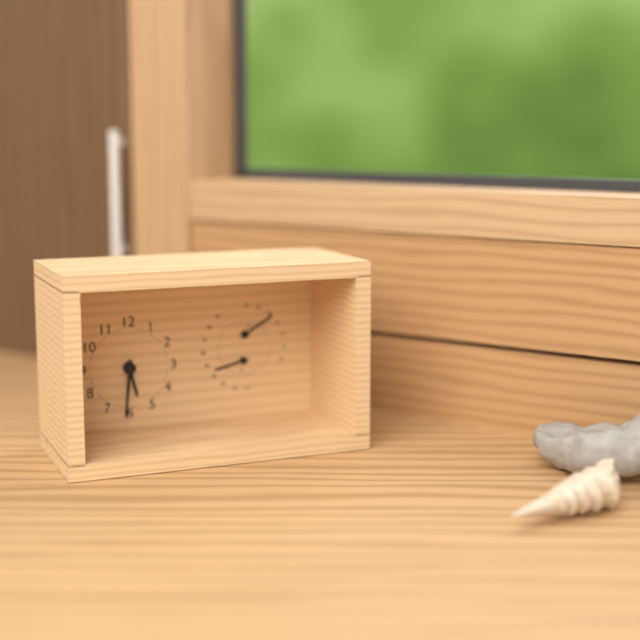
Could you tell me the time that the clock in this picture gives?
5:31
